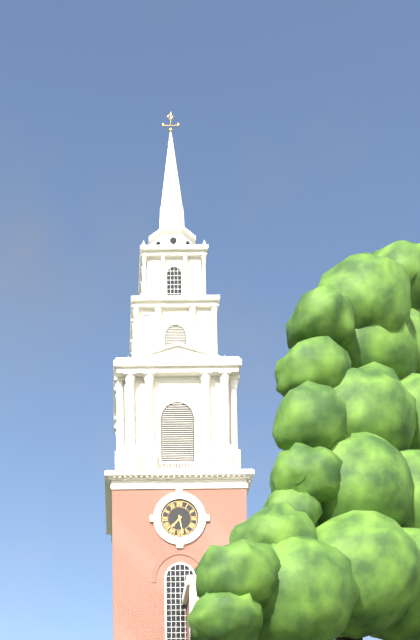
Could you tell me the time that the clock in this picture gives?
7:28
